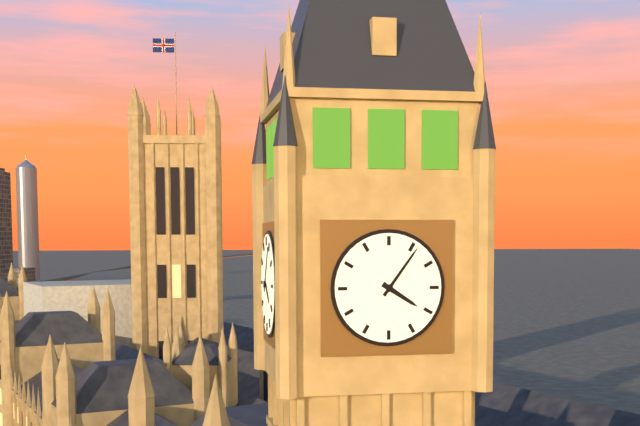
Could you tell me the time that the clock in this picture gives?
4:06
